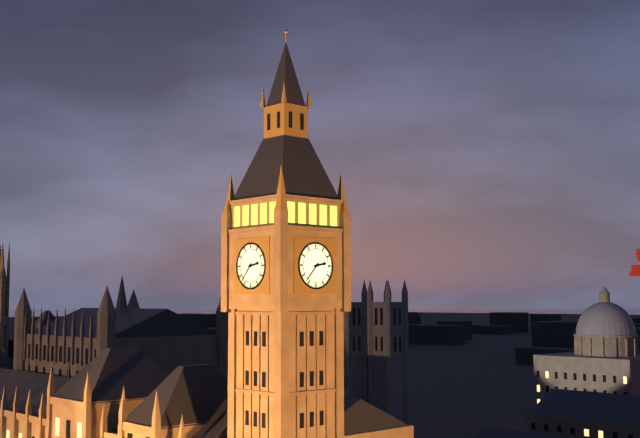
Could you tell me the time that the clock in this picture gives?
2:37
